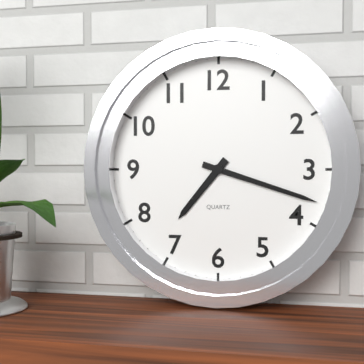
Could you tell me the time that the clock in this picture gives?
7:18
